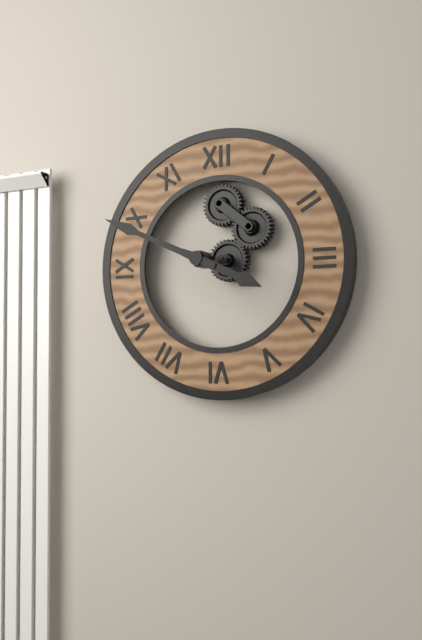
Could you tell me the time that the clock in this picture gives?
3:49
